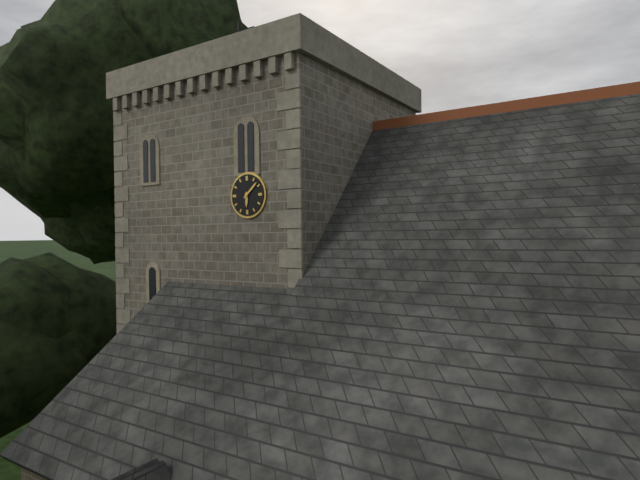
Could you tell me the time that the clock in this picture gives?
6:08
